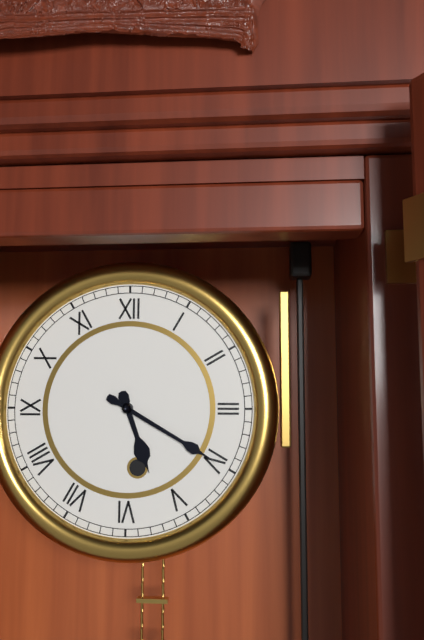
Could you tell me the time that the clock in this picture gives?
5:20
